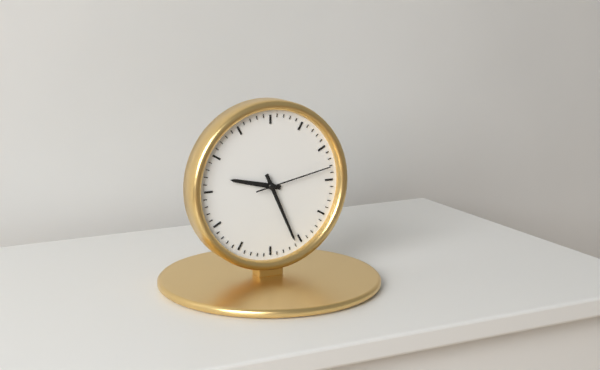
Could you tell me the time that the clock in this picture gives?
9:26:13
